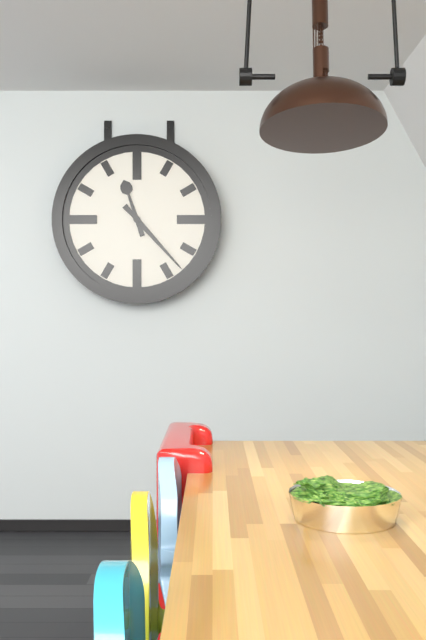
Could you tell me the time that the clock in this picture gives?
11:23
